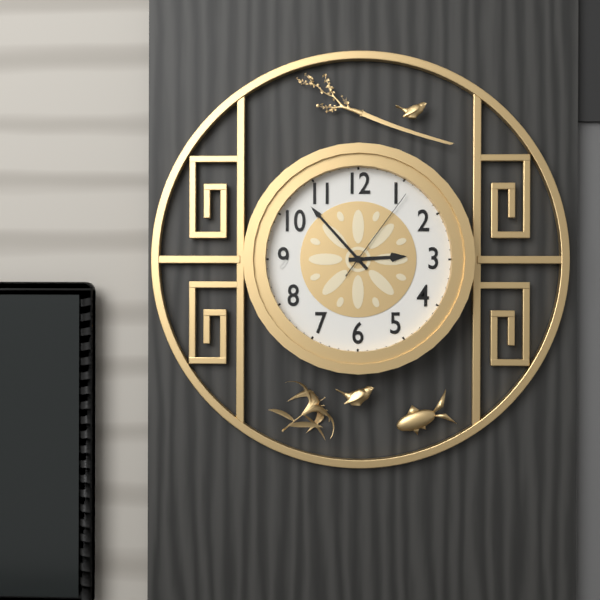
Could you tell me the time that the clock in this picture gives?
2:53:06
